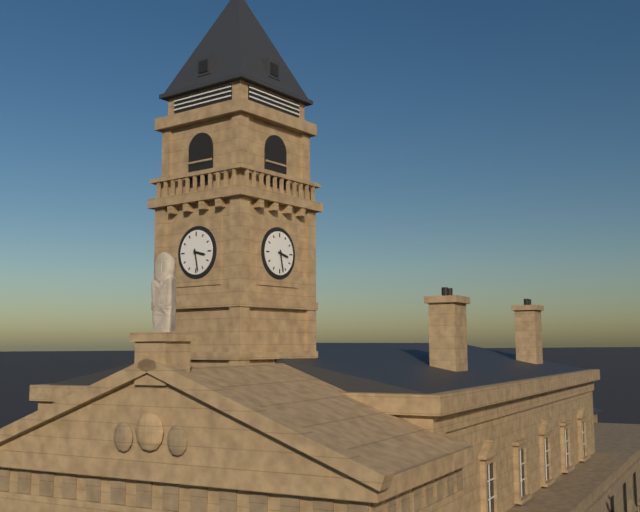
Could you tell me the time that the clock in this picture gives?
3:28
